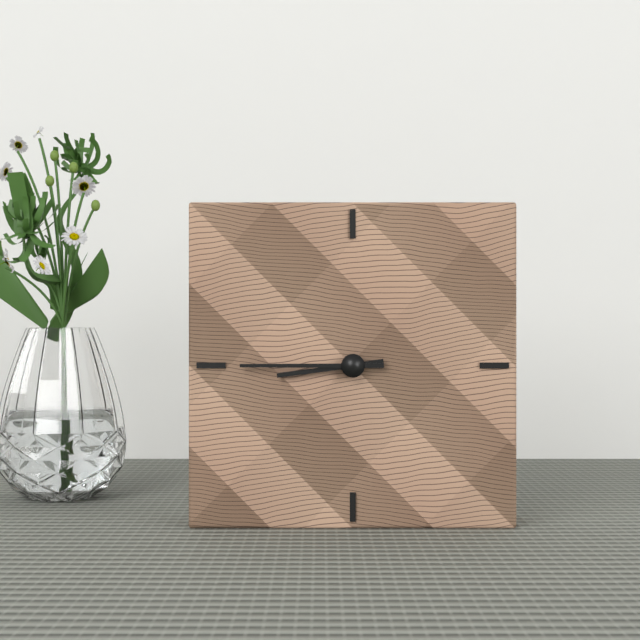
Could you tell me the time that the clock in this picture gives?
8:45
